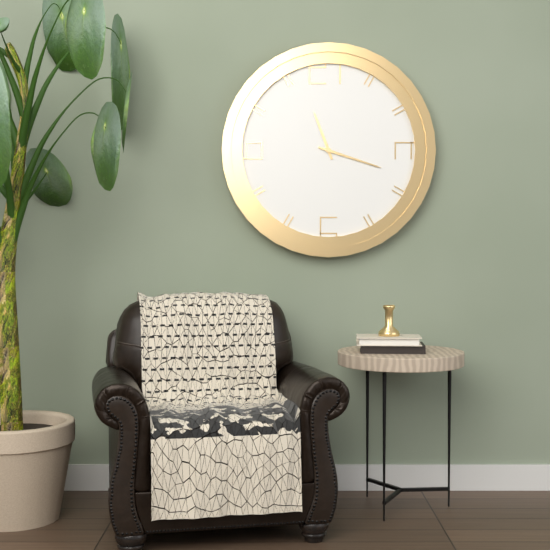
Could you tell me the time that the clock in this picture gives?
11:18
